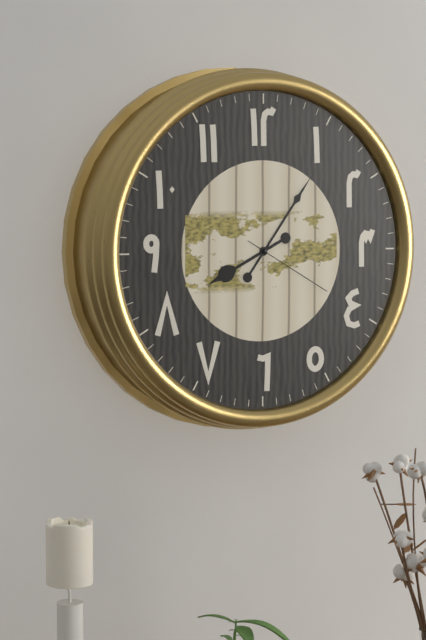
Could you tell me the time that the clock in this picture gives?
8:06:20
